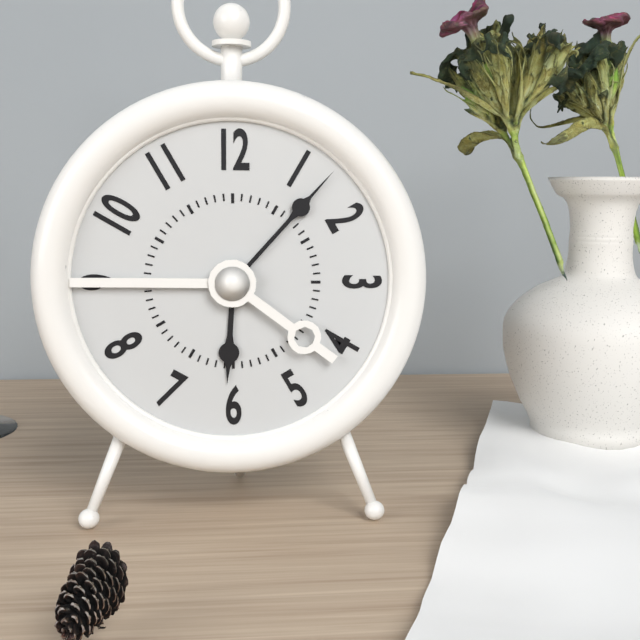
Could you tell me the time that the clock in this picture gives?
6:07
